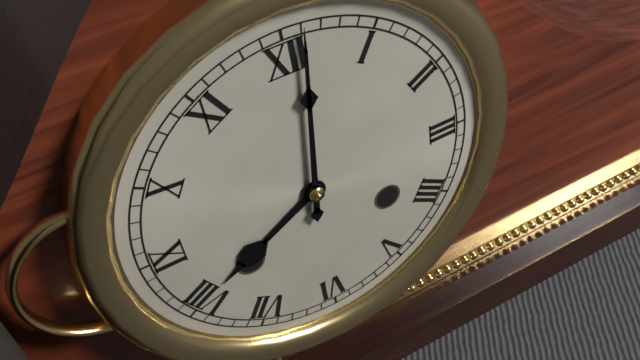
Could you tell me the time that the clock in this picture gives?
8:01
